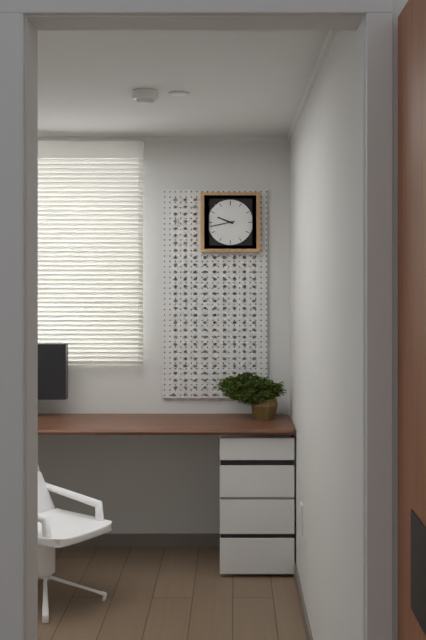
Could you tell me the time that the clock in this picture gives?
9:43
